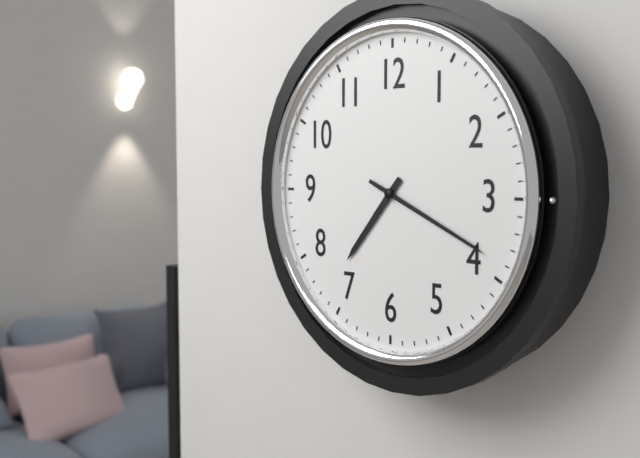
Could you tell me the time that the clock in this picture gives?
7:19
